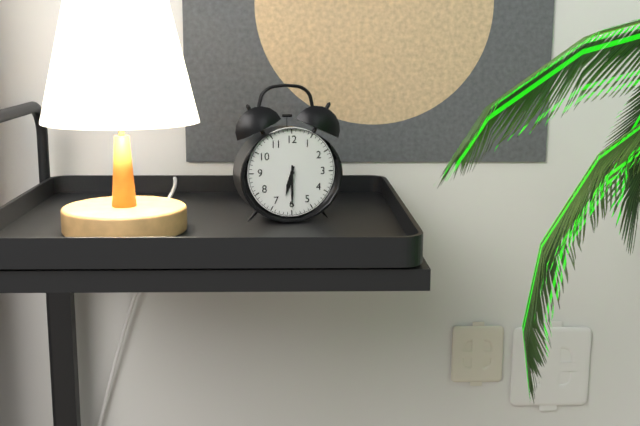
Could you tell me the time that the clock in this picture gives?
6:30
